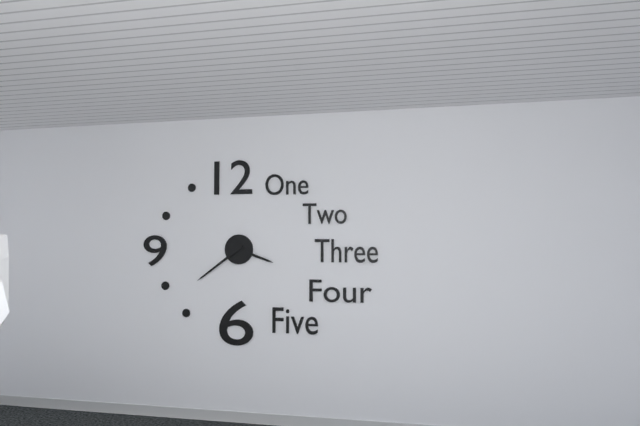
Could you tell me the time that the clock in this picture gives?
3:39
